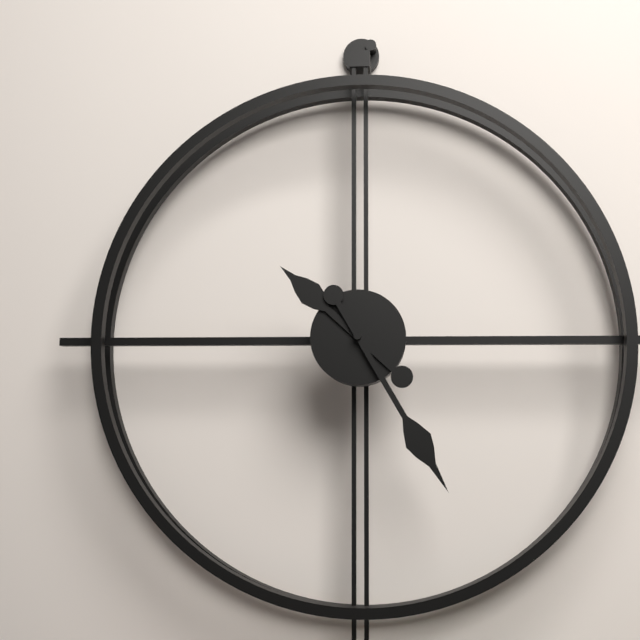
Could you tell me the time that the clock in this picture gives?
10:25
